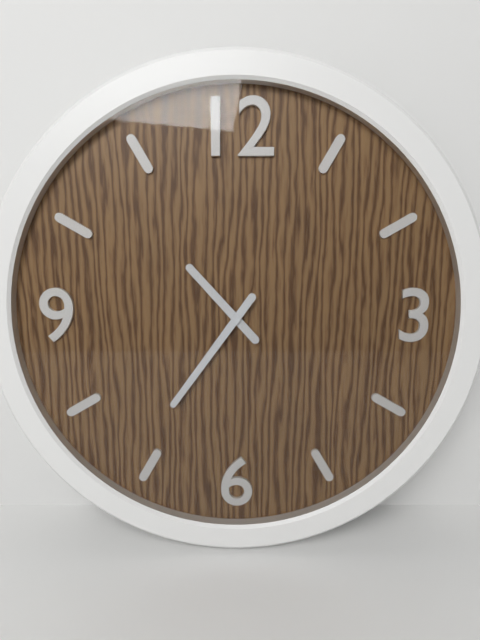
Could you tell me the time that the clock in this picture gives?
10:36
